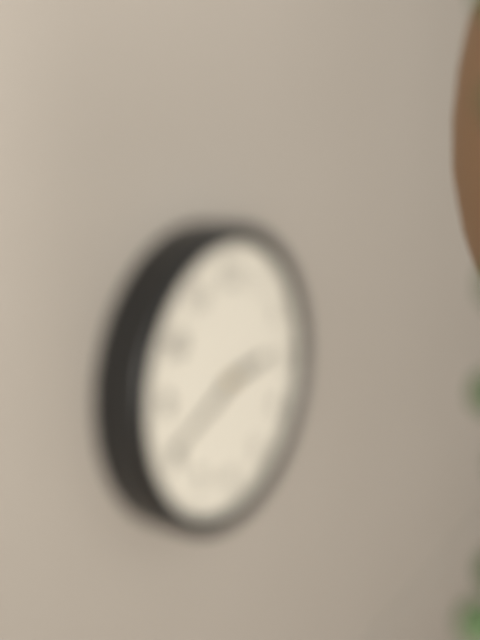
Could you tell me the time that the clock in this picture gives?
2:41
